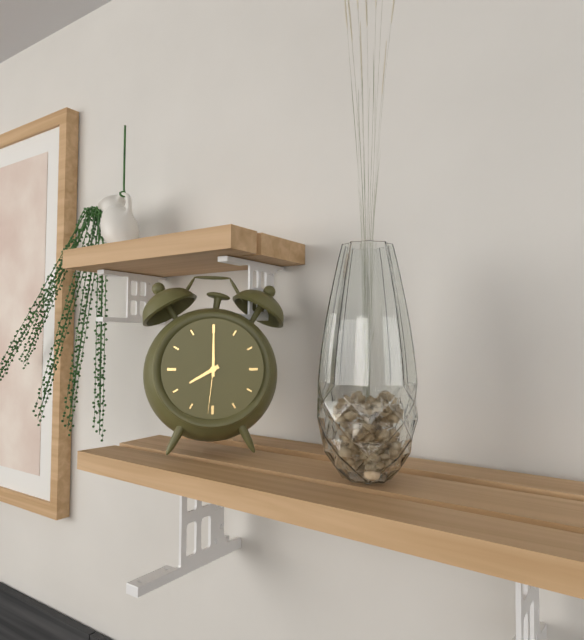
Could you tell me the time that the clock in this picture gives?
8:00:31
